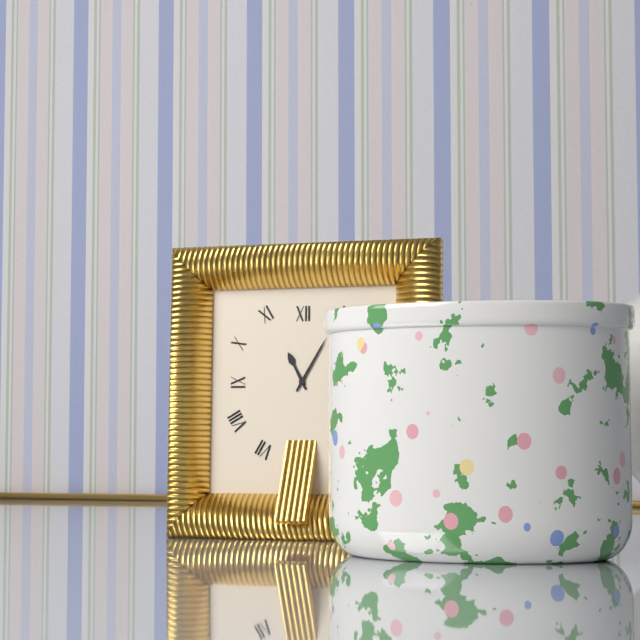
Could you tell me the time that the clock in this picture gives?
11:05
